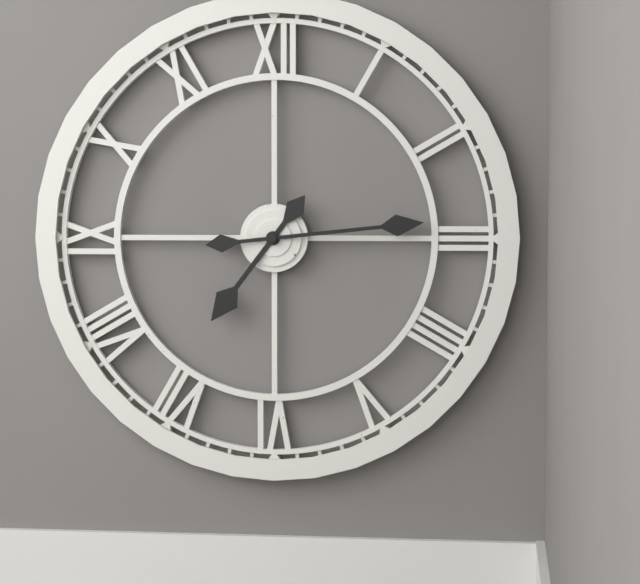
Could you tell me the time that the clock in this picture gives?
7:14
